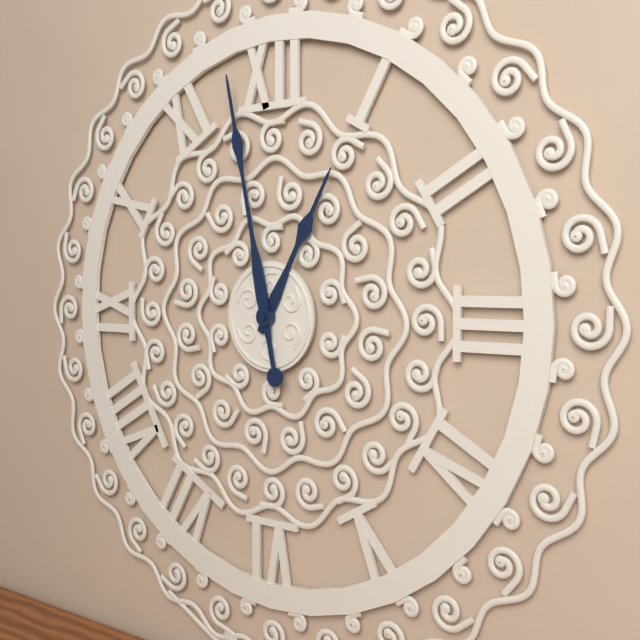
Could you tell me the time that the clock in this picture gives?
12:58
